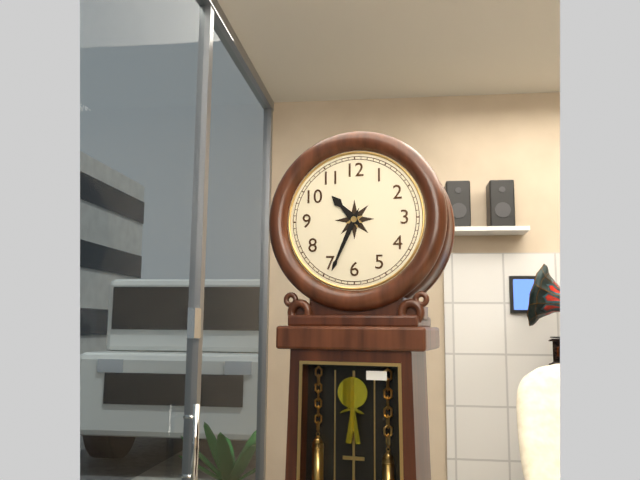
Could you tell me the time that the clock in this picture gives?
10:34
